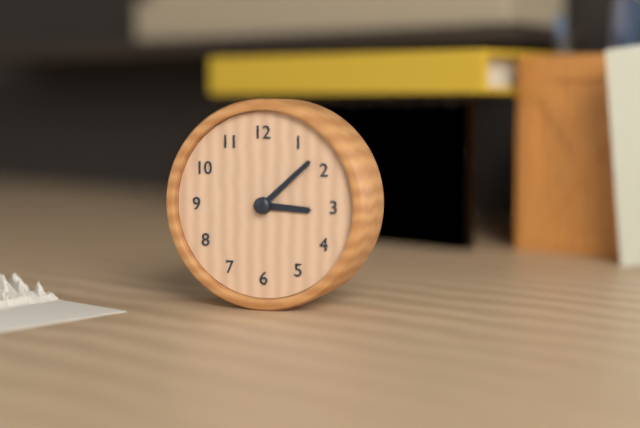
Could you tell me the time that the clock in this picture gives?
3:08
